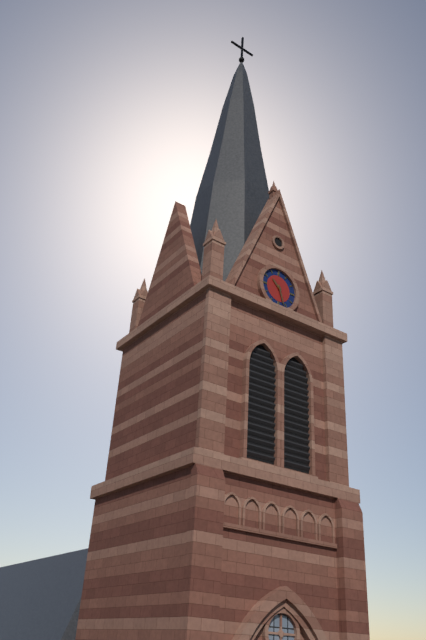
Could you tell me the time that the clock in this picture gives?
10:27
